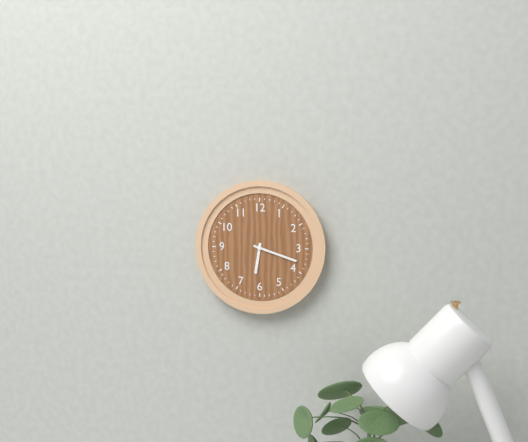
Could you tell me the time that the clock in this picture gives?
6:18
